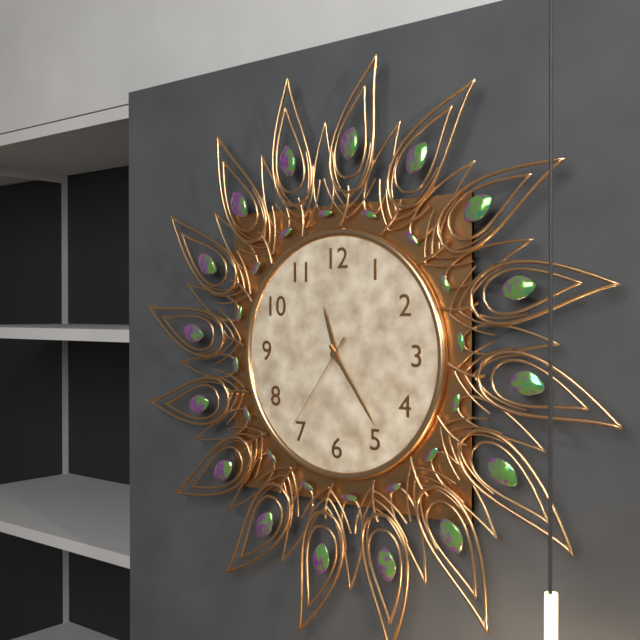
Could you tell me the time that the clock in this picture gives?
11:24:36
